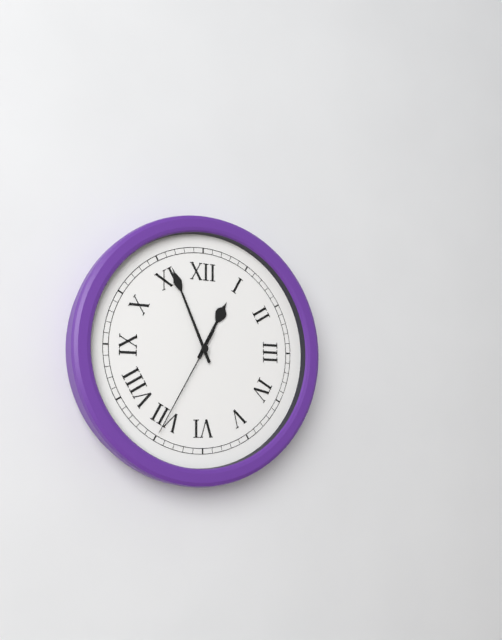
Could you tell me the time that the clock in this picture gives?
12:56:35
